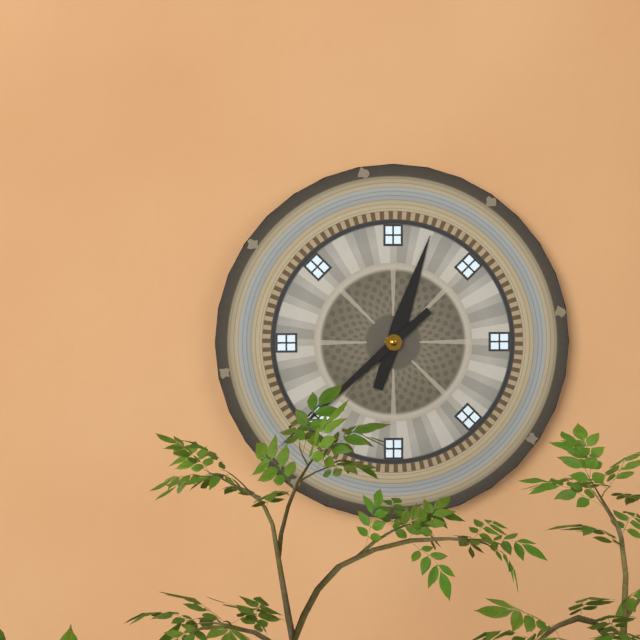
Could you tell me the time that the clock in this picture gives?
12:38
